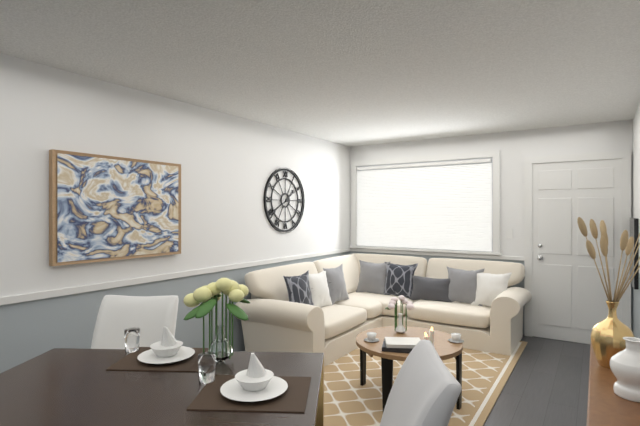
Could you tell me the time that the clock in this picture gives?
1:40
